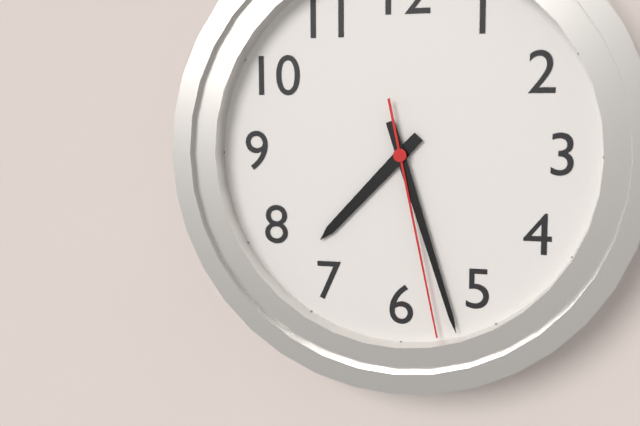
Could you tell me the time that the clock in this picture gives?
7:27:28
